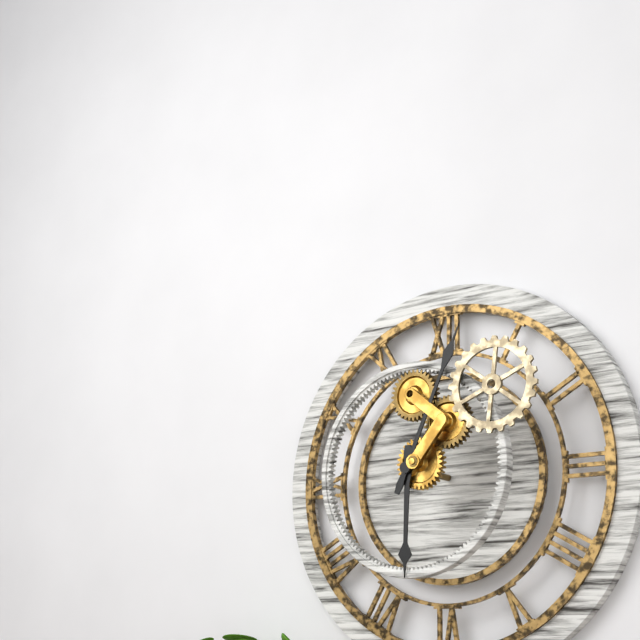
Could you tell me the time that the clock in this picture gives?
6:04
